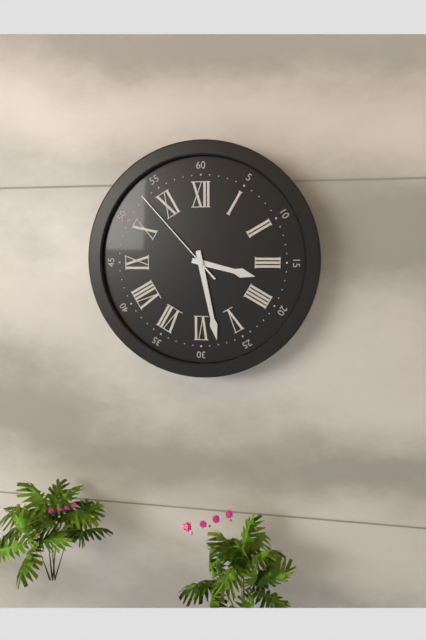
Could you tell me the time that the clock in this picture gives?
3:28:53
